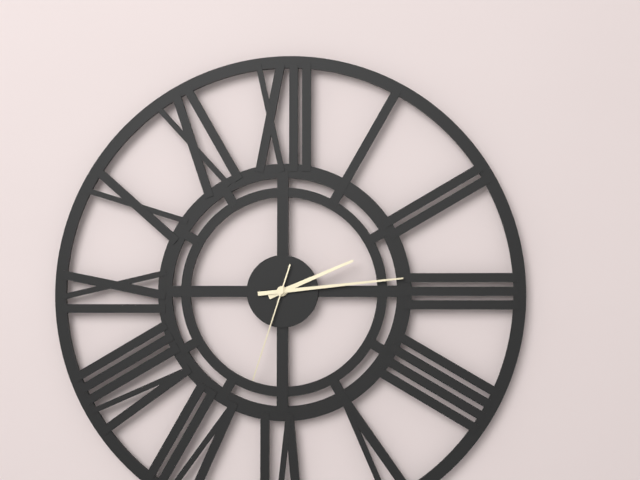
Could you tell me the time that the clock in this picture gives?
2:14:33
